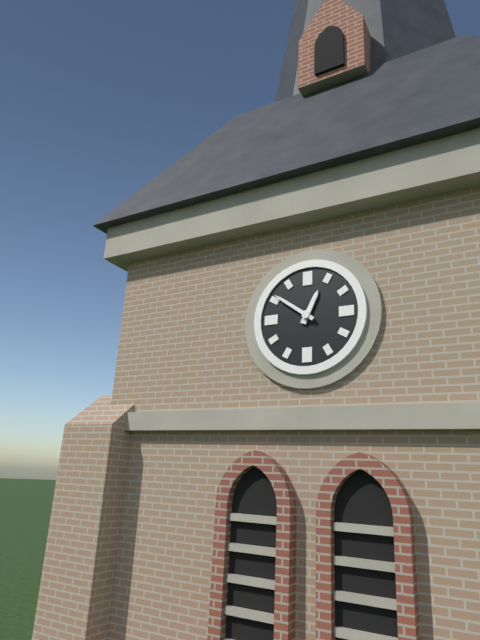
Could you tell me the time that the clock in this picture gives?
12:51
